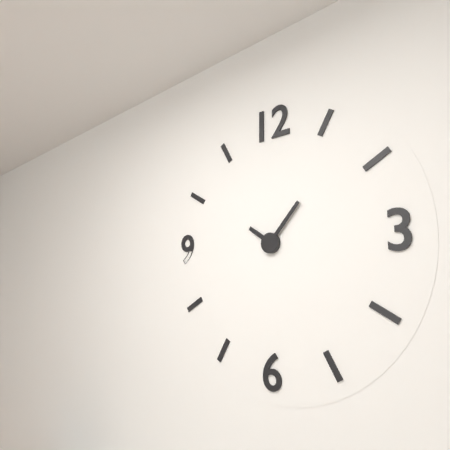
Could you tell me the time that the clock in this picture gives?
10:07
